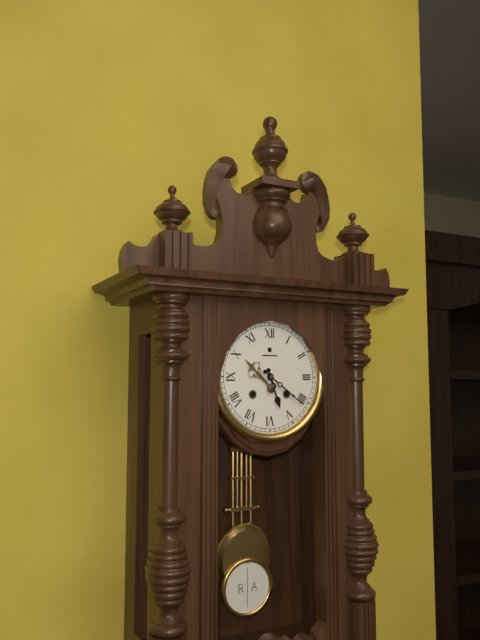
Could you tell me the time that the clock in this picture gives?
5:21
